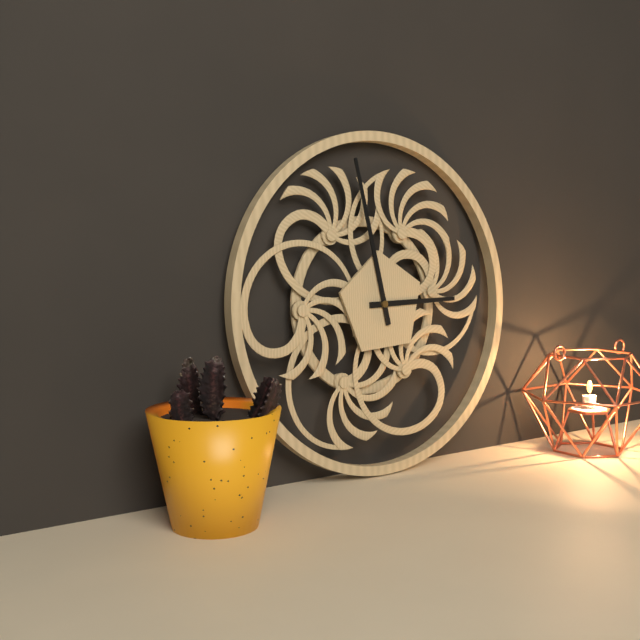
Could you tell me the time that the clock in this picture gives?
2:58
